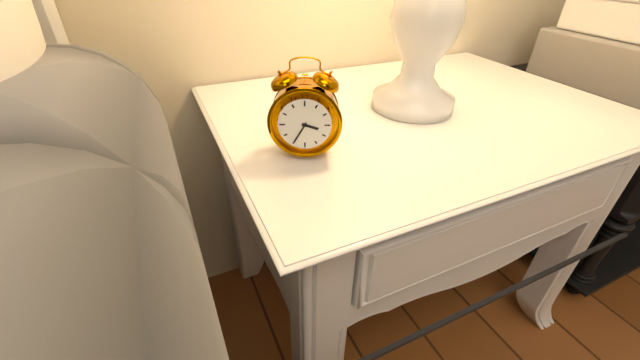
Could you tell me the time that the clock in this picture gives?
3:35
